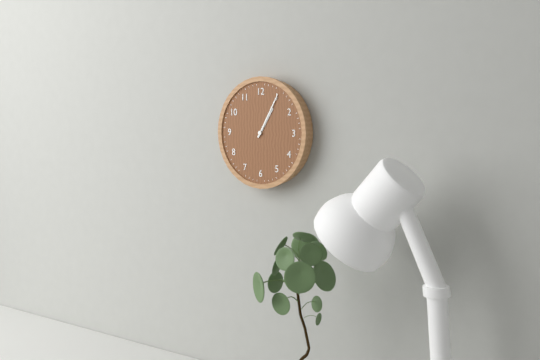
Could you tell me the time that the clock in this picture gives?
1:05
